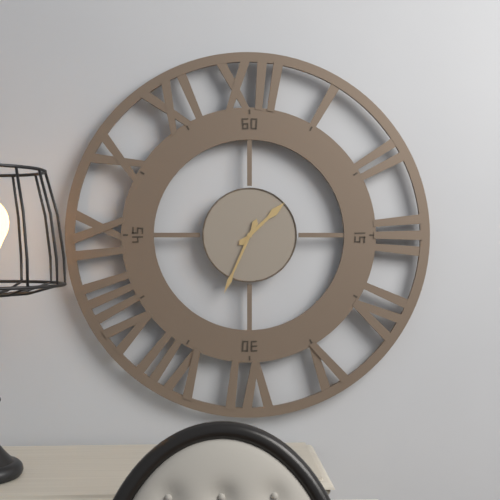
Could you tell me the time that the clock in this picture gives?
1:34
